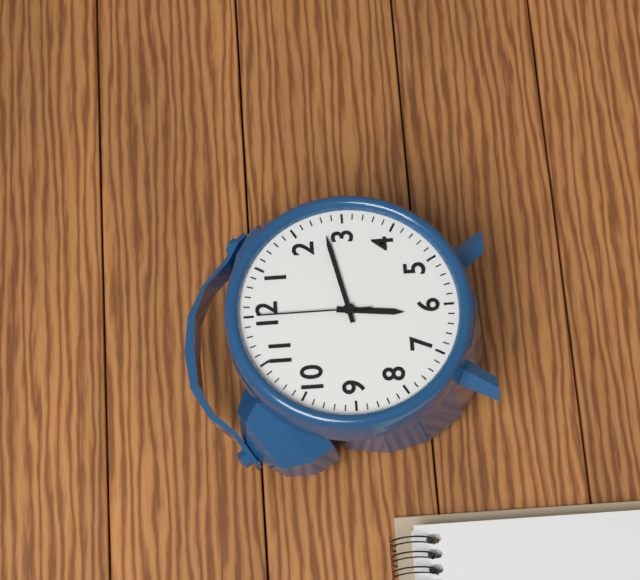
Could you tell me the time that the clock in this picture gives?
6:13:00
